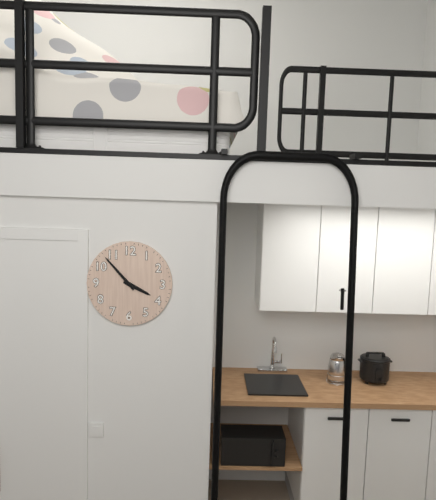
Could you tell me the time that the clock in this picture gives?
3:53
